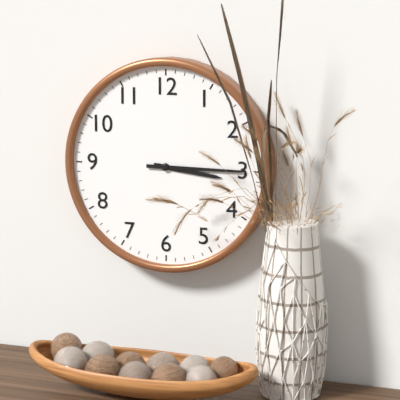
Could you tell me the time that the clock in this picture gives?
3:15
